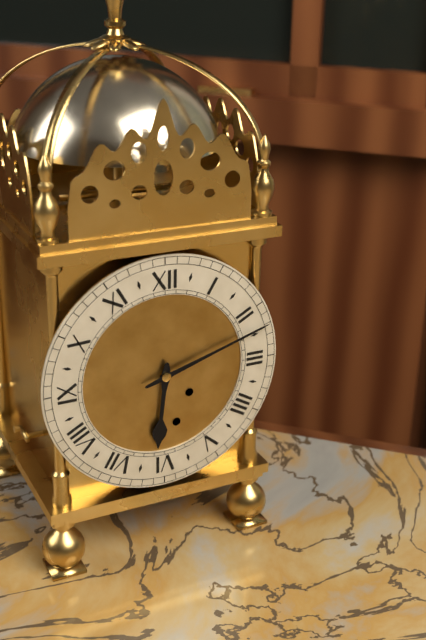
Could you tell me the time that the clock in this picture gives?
6:12
